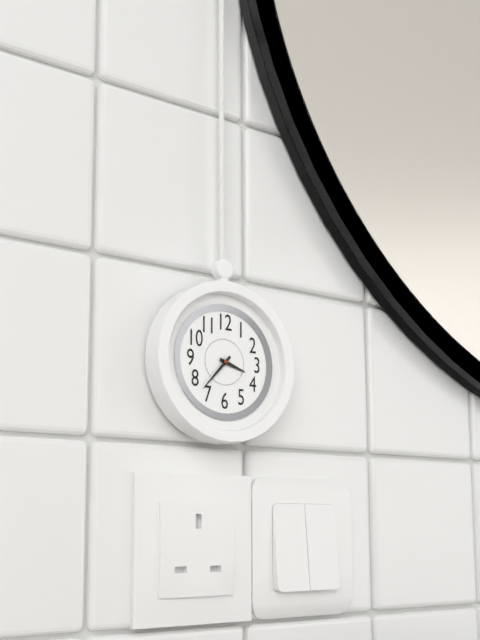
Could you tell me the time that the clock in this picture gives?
3:37
